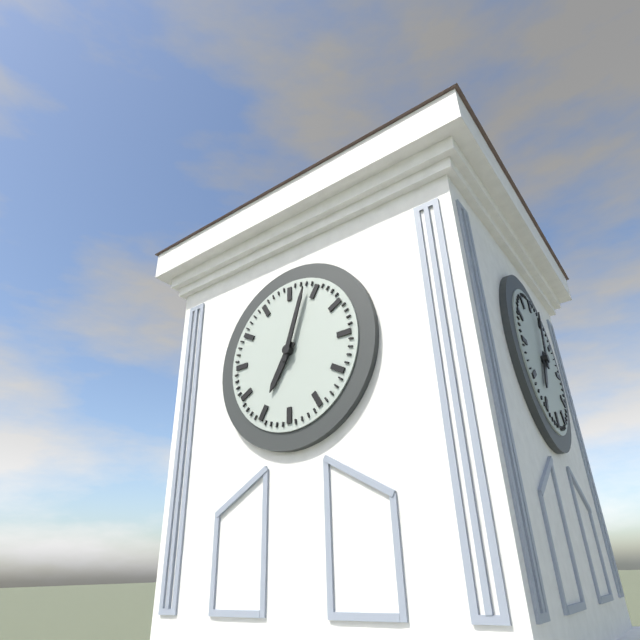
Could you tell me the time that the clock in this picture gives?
7:03
